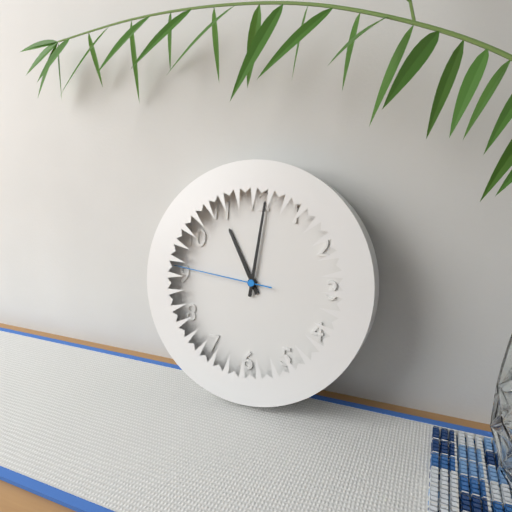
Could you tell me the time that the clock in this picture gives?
11:01:46
